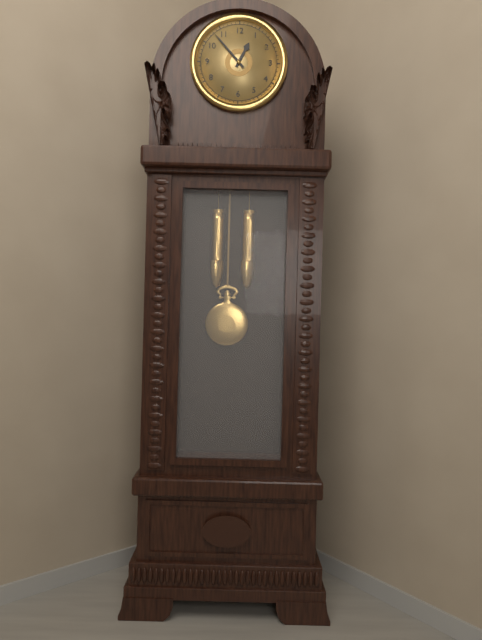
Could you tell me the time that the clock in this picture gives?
12:53
